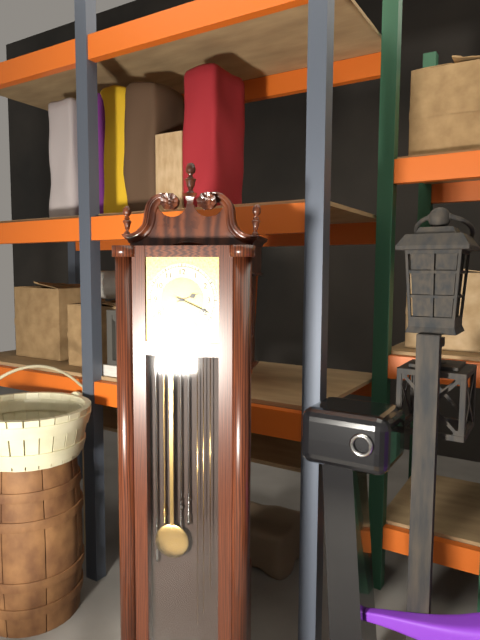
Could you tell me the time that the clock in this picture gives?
2:19
